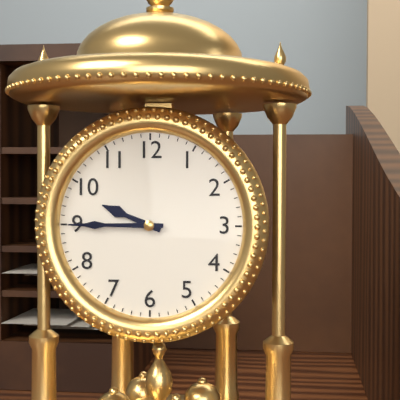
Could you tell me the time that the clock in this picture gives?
9:45
